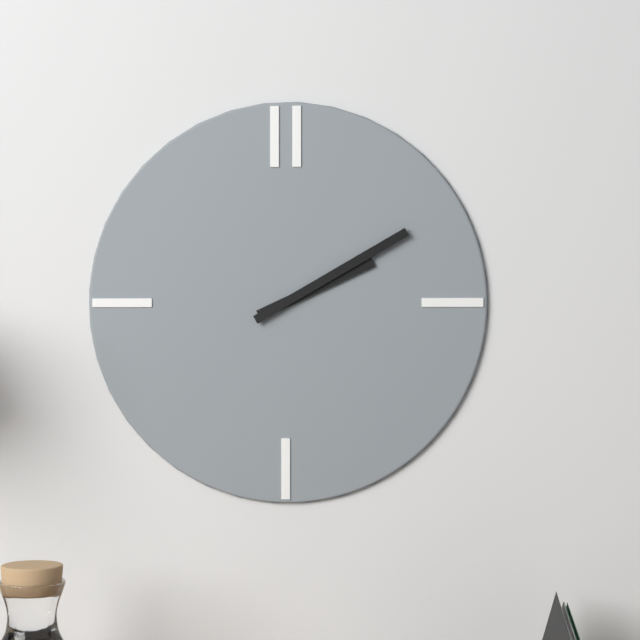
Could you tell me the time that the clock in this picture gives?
2:10
